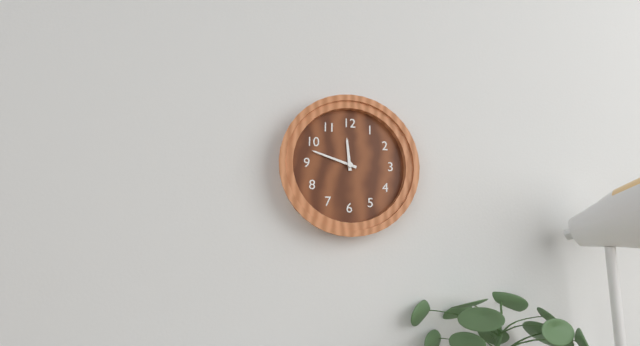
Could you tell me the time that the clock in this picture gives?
11:48
